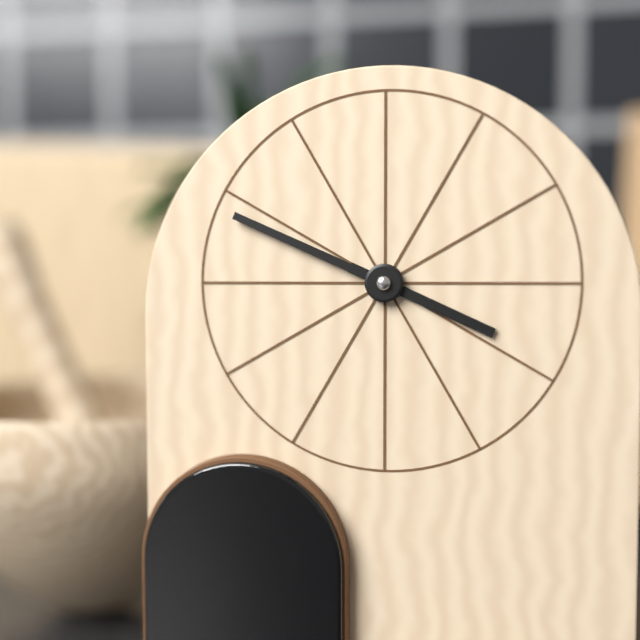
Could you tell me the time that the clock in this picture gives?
3:49
